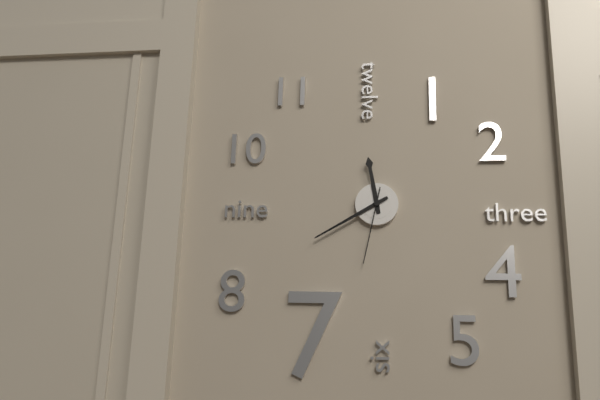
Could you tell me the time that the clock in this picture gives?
11:40:32
